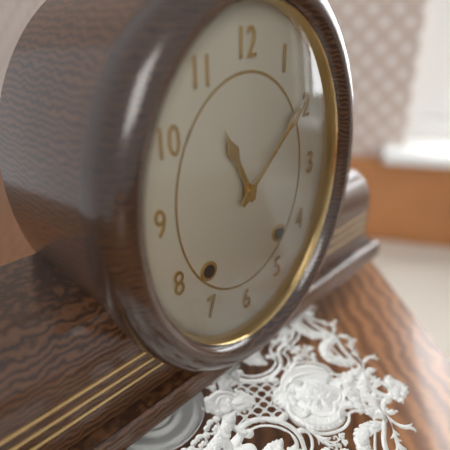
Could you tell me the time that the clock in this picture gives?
11:08
